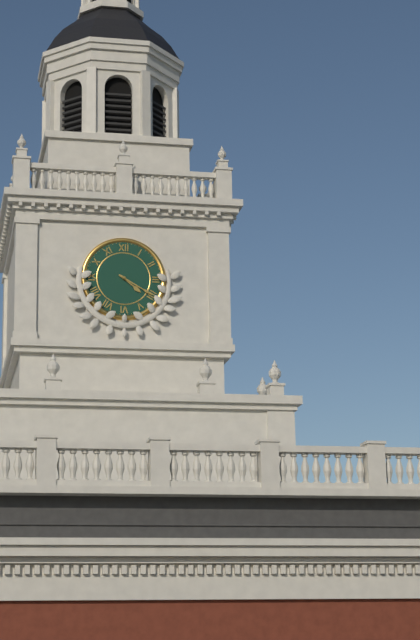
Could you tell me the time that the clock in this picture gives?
4:20
